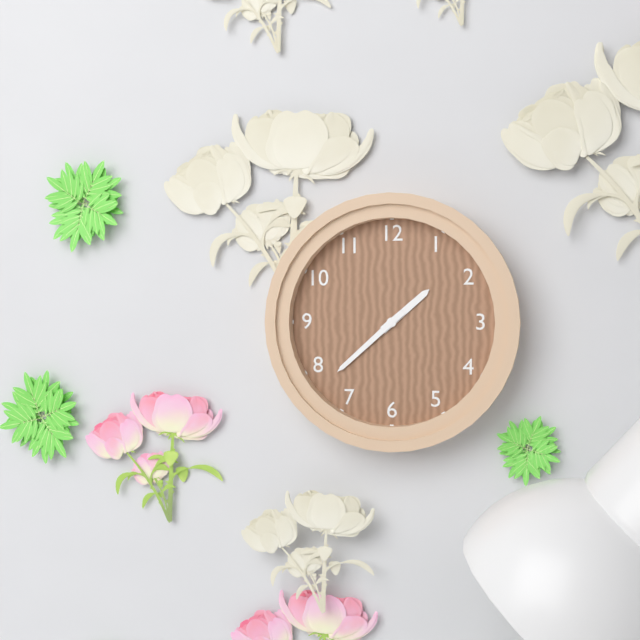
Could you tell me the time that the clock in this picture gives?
1:38
